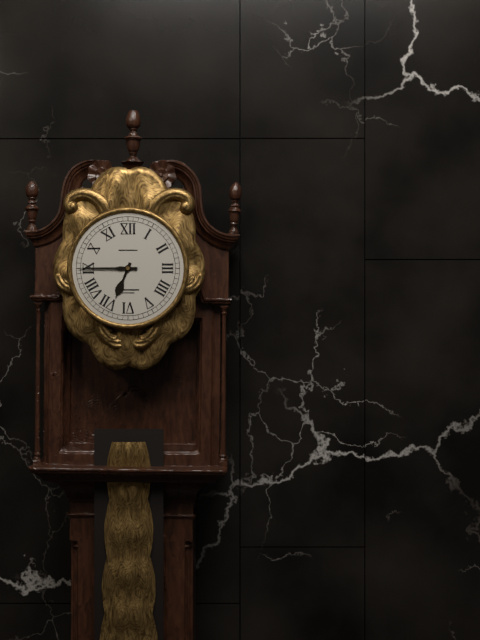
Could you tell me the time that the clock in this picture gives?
6:45
